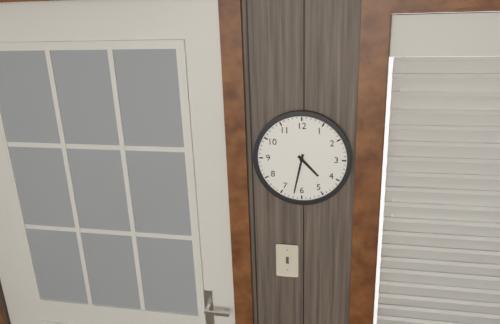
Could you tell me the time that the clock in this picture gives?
4:32
